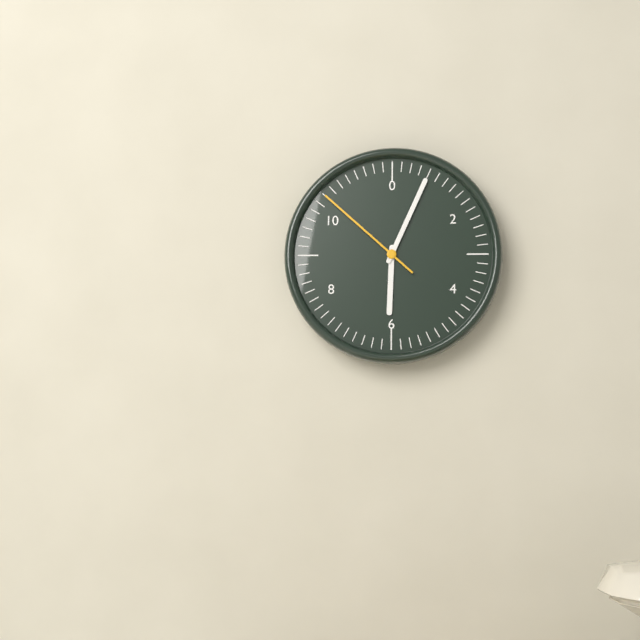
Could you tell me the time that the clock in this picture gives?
6:04:52
